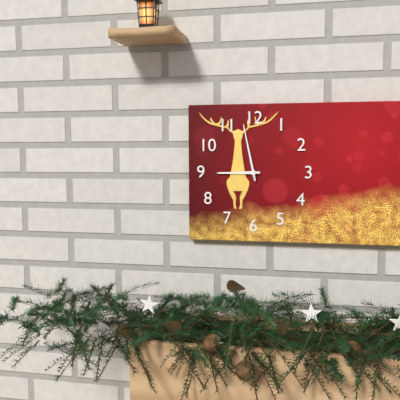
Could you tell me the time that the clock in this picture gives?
8:58
